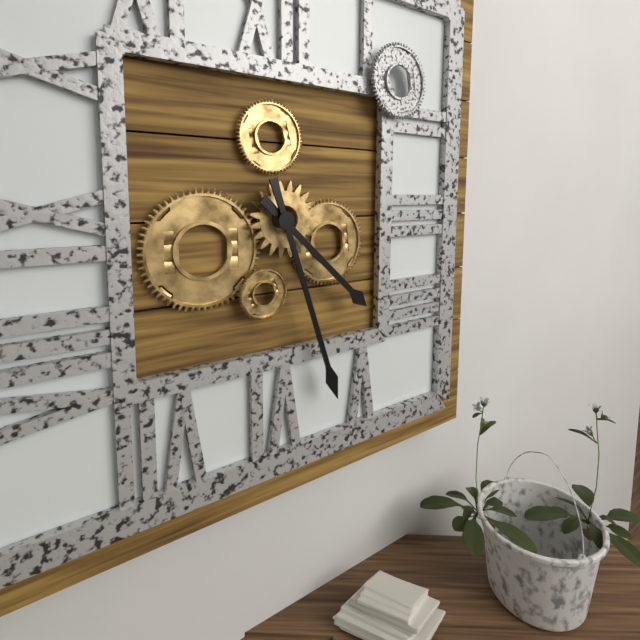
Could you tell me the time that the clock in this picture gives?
4:27
